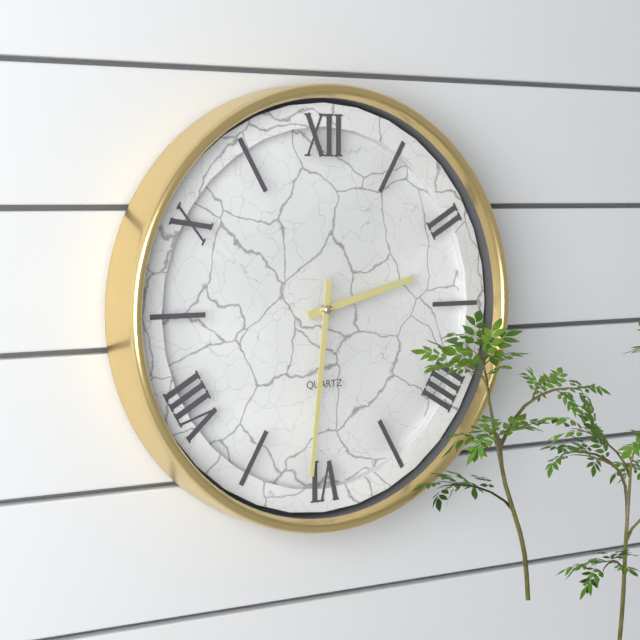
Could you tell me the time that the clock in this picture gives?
2:31
